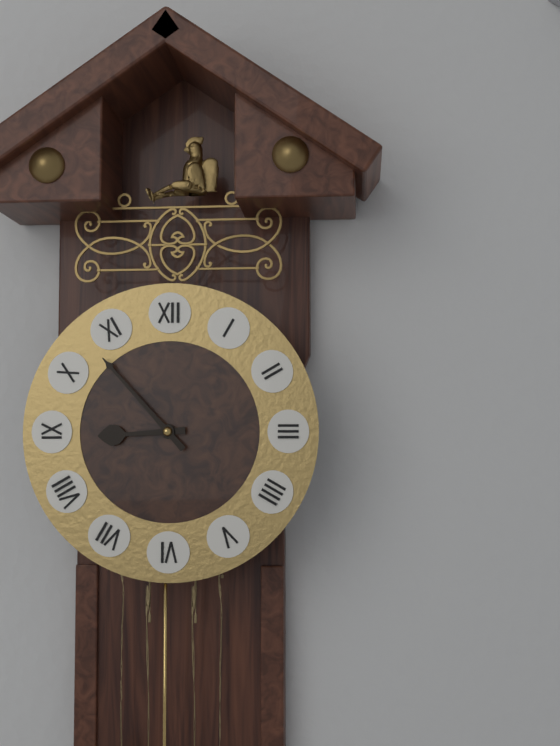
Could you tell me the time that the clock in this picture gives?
8:53
